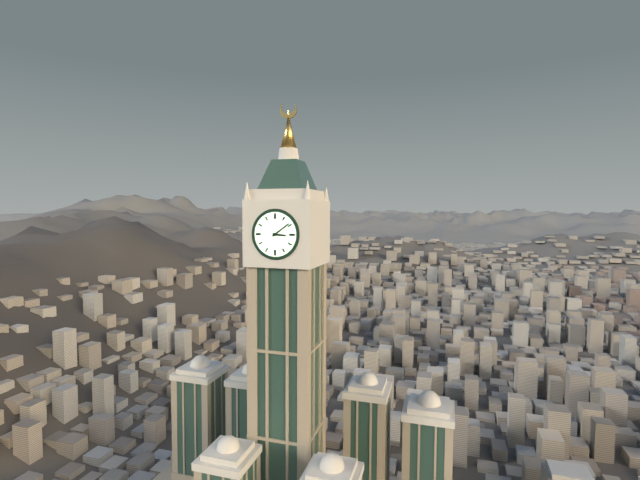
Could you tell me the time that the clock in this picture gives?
3:09
